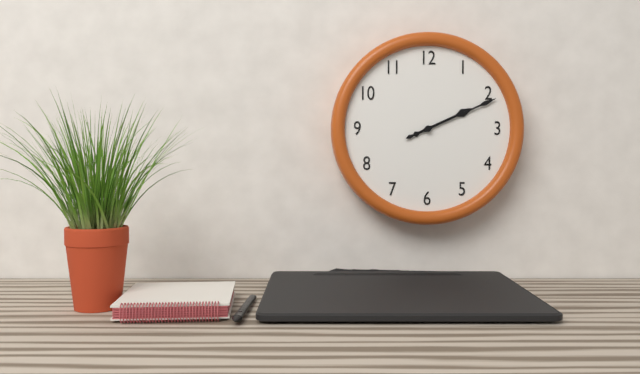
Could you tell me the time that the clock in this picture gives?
2:11
